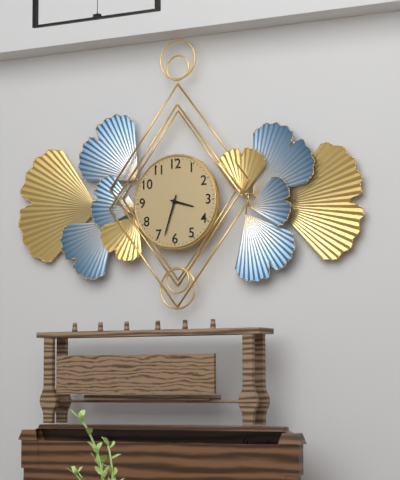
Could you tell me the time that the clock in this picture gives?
3:33
